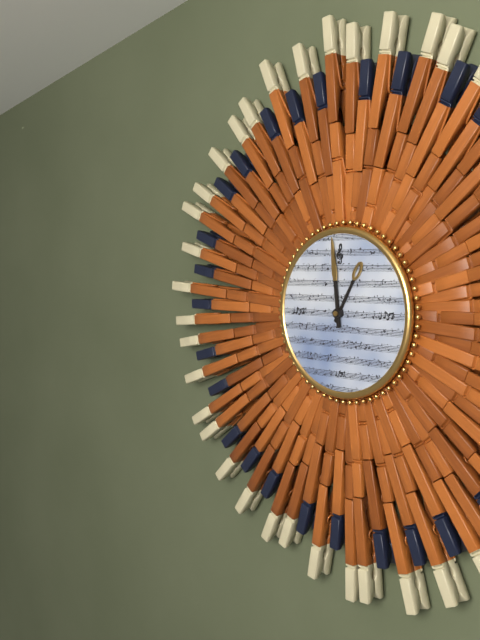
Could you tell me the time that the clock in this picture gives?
12:59
